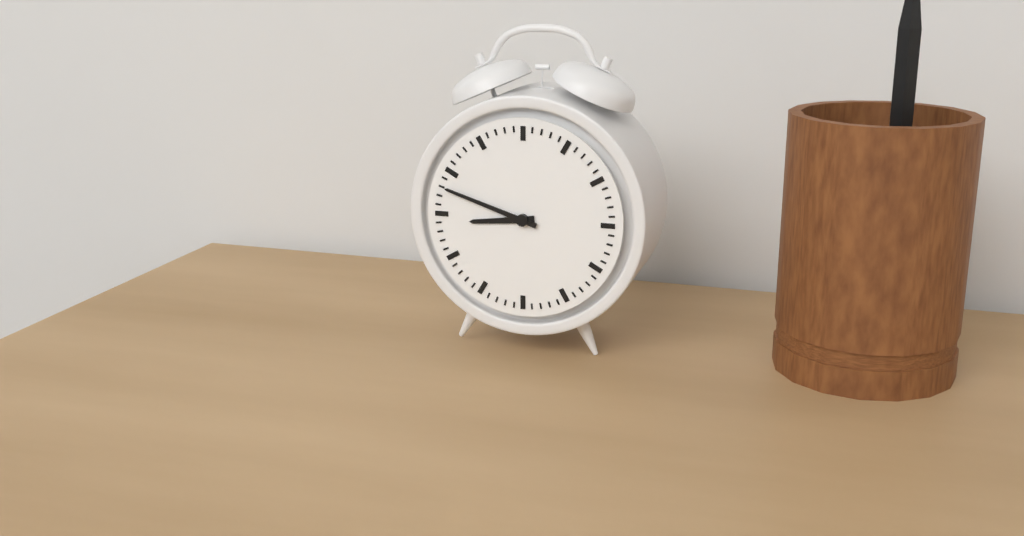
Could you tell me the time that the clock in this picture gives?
8:48
